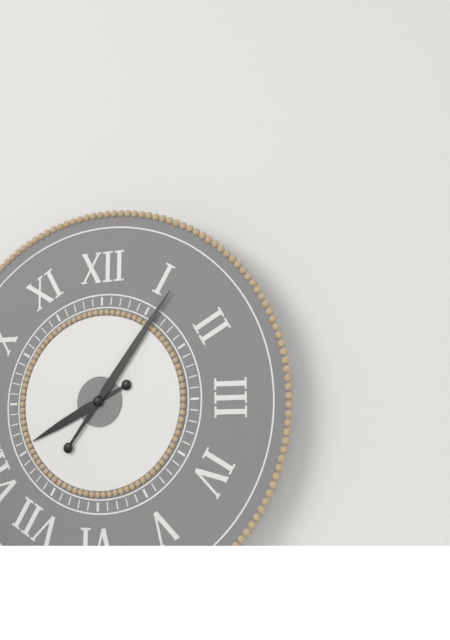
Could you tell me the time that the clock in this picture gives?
8:06
